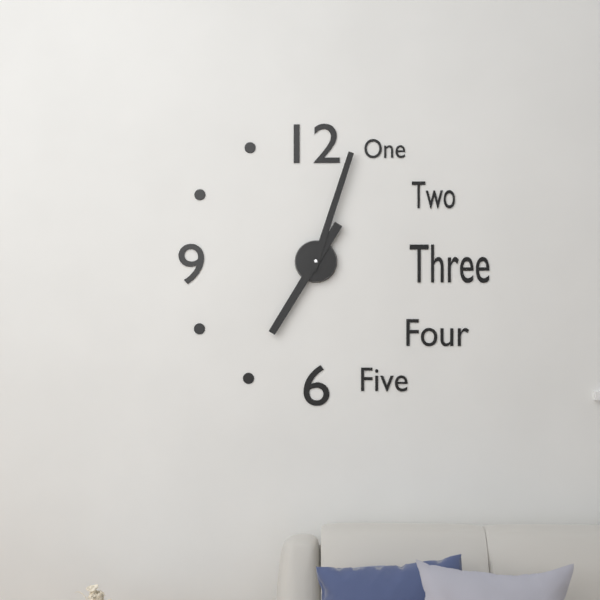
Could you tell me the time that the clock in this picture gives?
7:03
